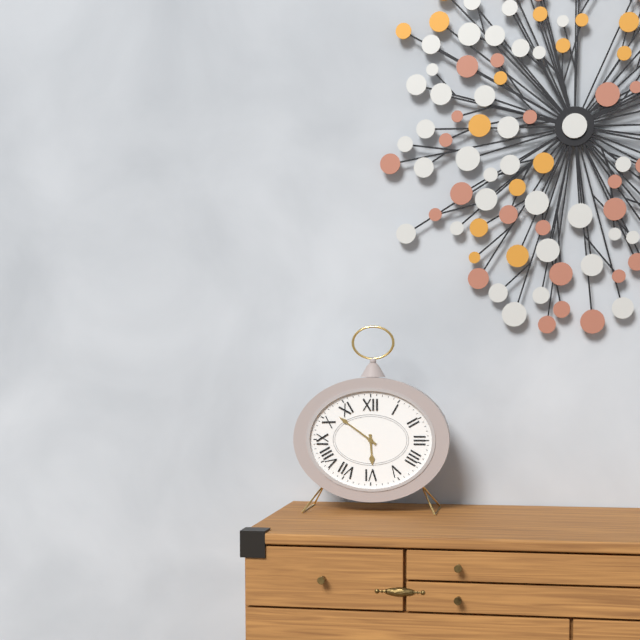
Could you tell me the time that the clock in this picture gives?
5:51
